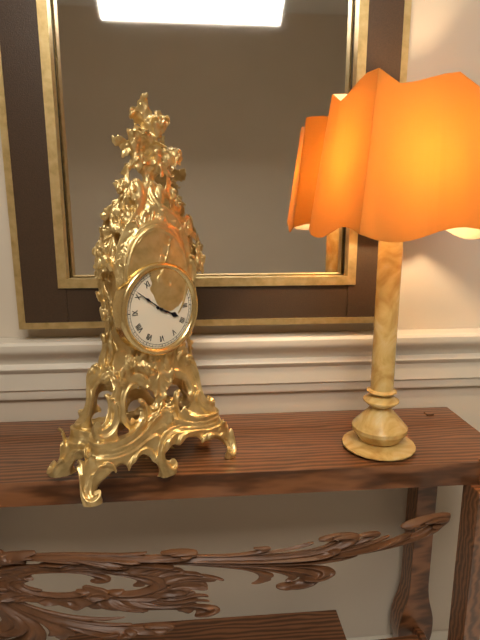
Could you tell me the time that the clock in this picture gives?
3:51
